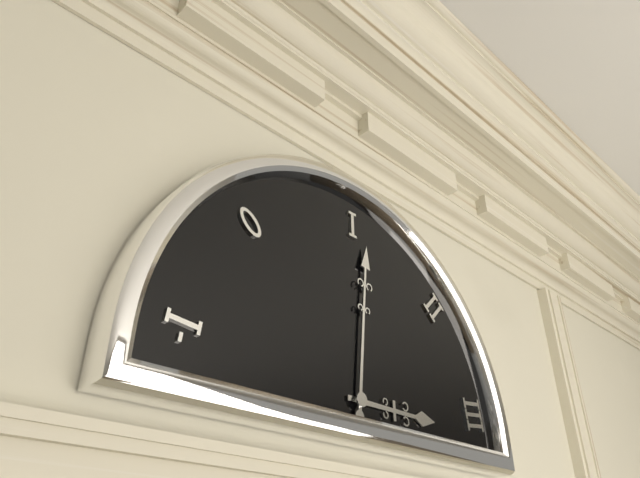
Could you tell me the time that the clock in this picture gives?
3:01
